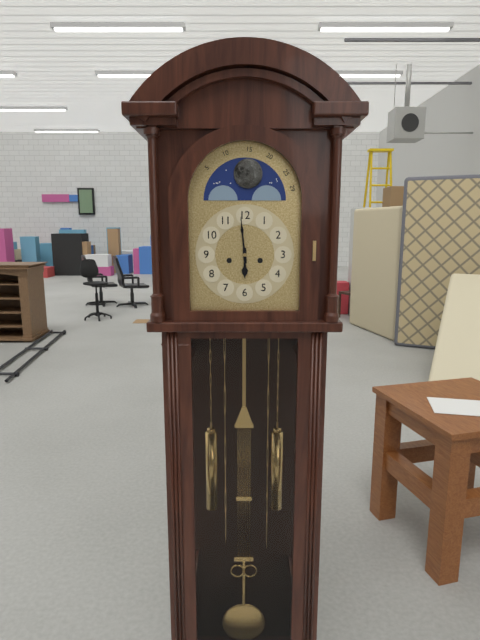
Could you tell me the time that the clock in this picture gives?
5:59
